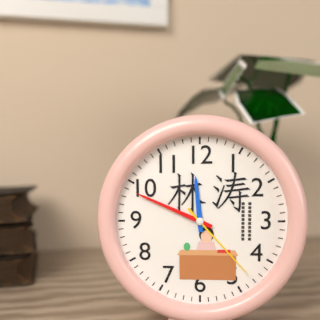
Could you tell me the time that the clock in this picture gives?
11:49:23
